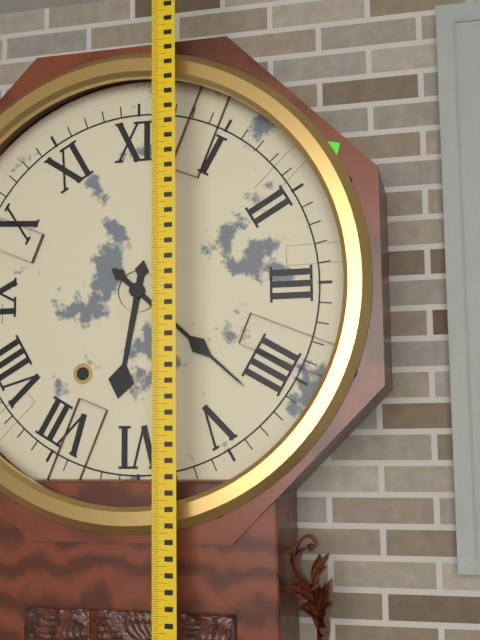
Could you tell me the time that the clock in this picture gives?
6:22
